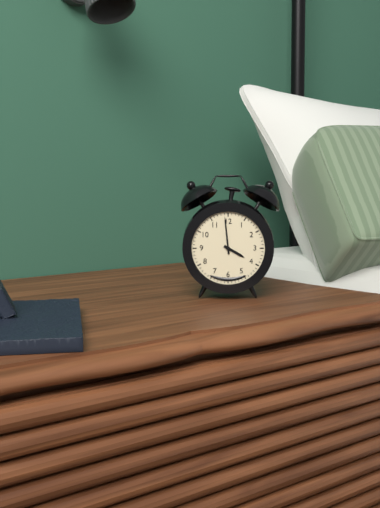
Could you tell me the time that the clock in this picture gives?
3:59
